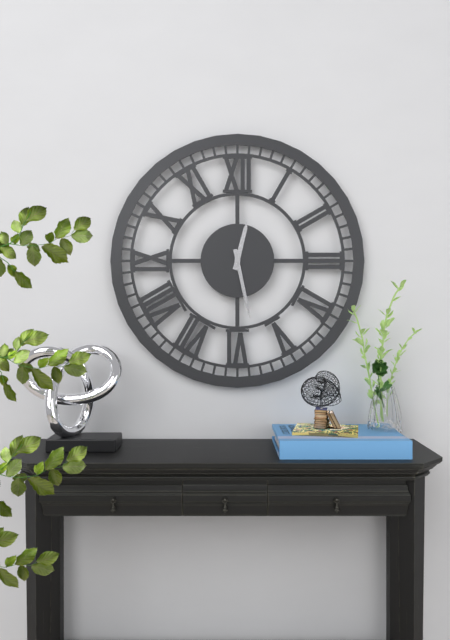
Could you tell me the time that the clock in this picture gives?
12:28
